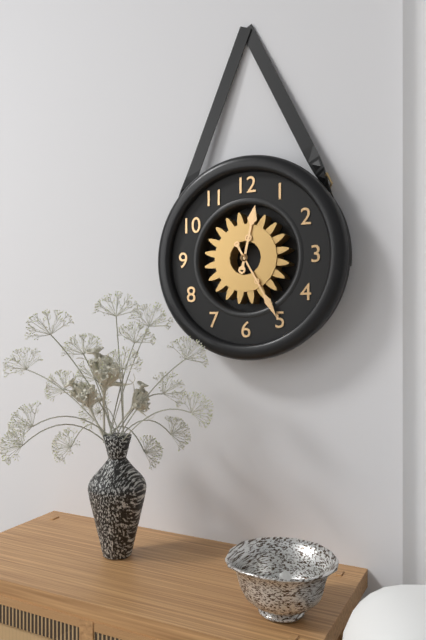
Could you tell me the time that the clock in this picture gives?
12:25
